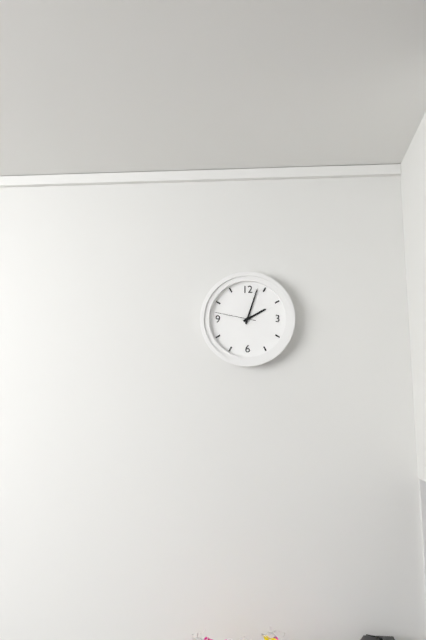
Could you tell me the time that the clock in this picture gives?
2:03
